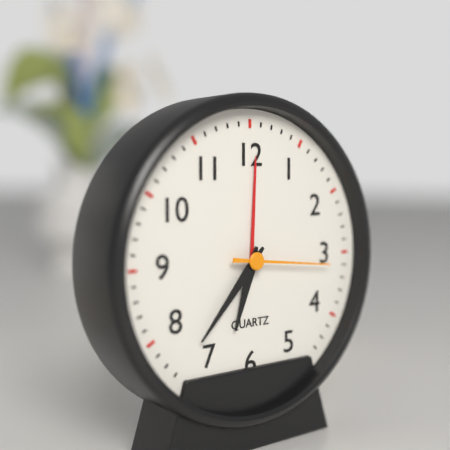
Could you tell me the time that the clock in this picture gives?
6:37:16
